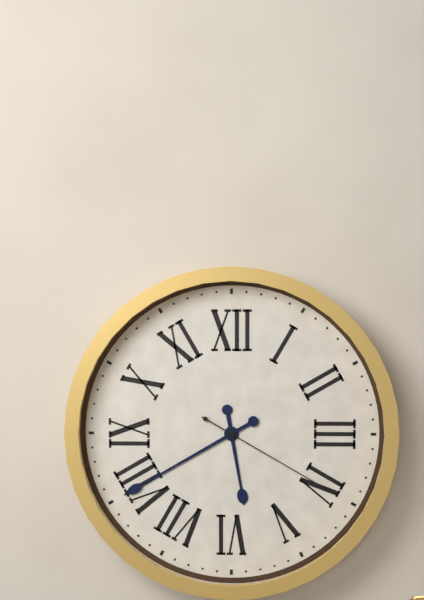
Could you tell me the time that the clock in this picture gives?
5:40:20
